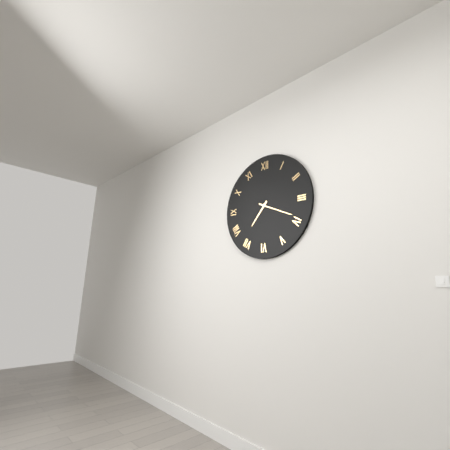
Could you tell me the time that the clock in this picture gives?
7:19
